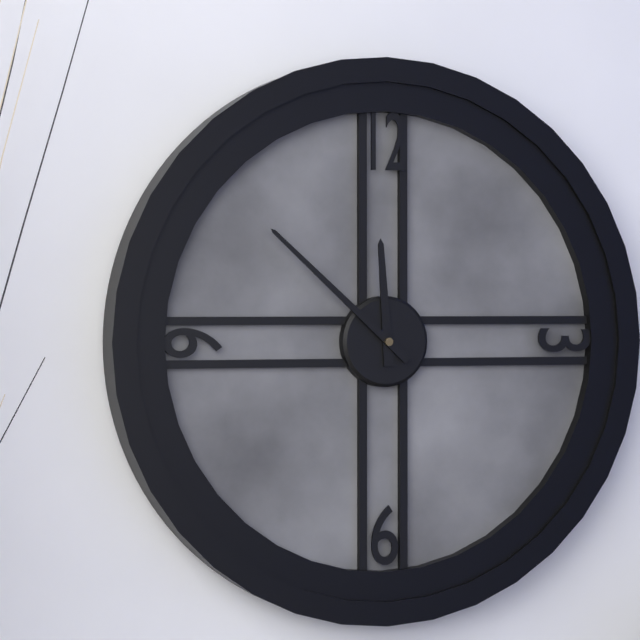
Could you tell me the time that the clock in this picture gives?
11:52
